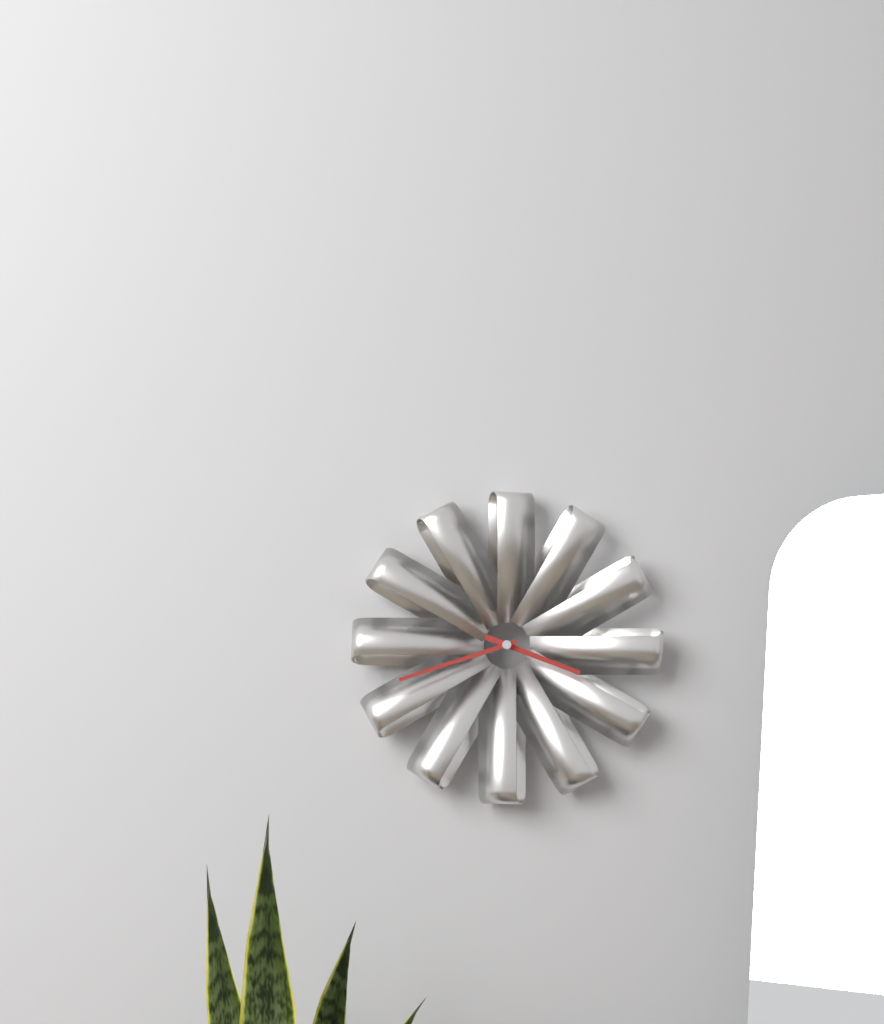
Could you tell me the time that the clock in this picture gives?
3:42
